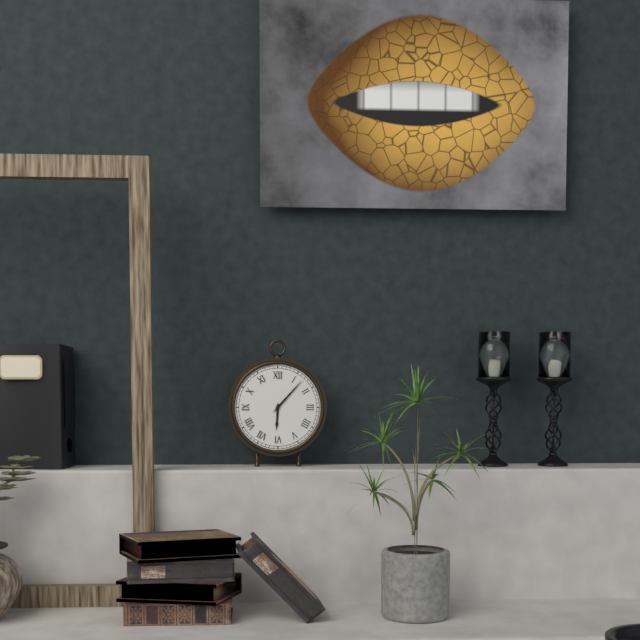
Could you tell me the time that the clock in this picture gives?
6:07
